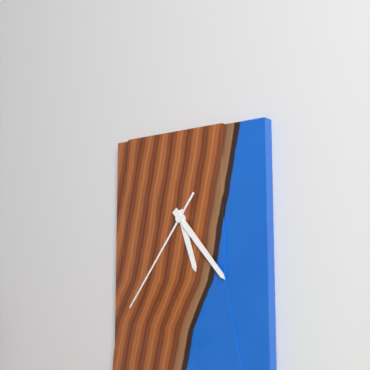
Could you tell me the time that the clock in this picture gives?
5:23:36
